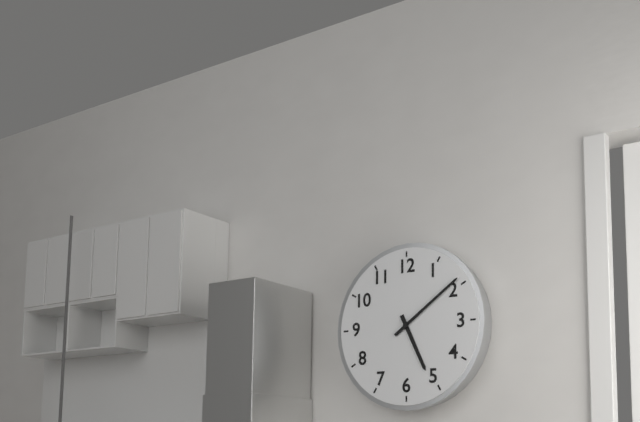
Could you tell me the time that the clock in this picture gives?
5:09
